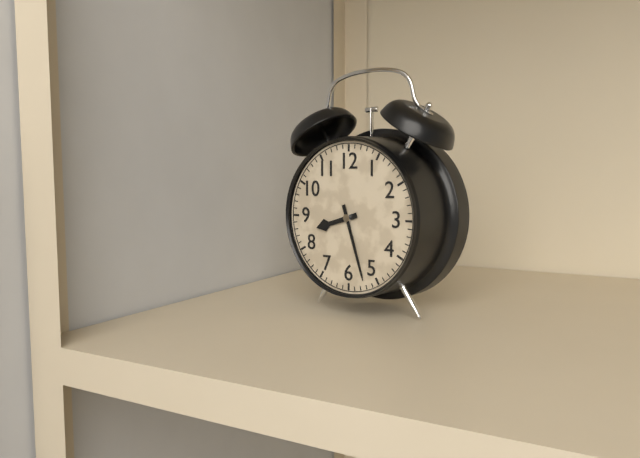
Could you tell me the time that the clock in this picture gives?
8:27
